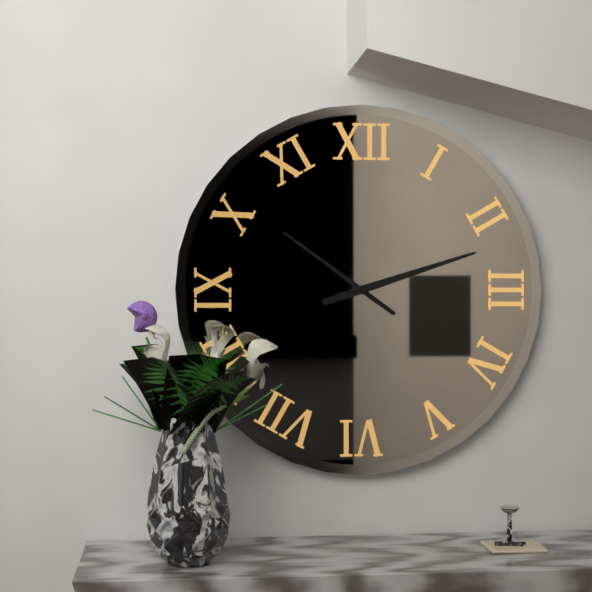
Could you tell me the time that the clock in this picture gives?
10:12
